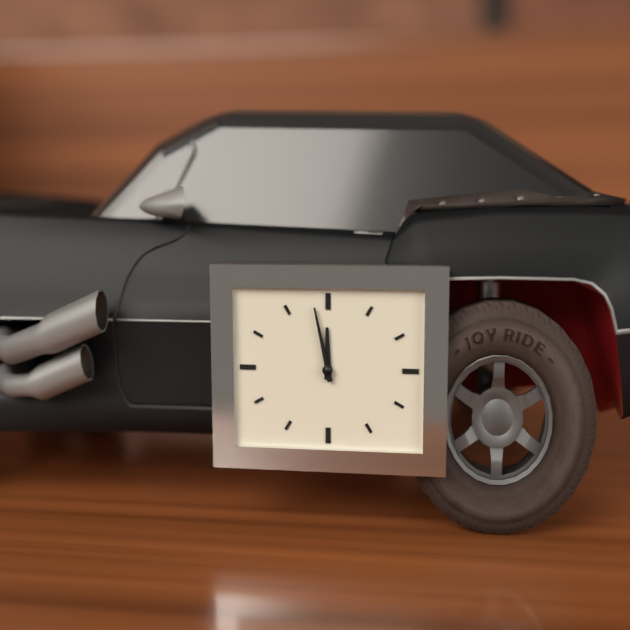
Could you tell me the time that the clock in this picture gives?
11:58
